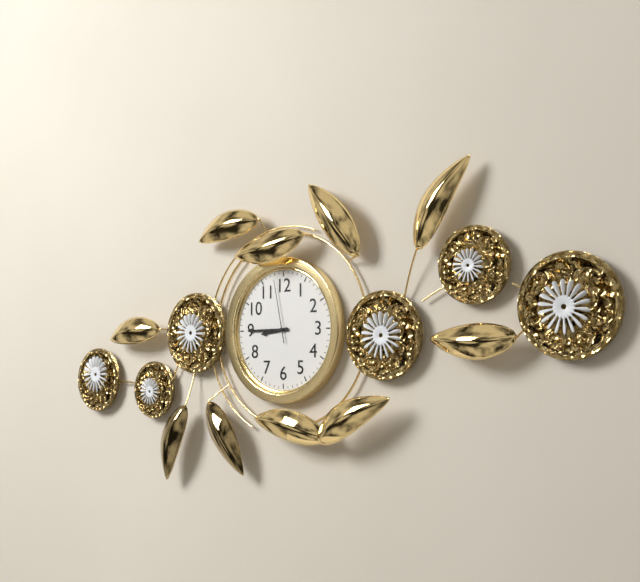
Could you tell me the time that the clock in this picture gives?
8:45:58
